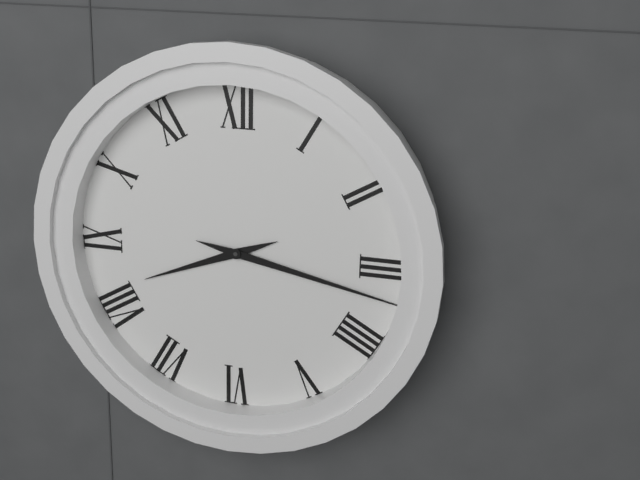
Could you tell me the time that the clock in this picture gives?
8:17
